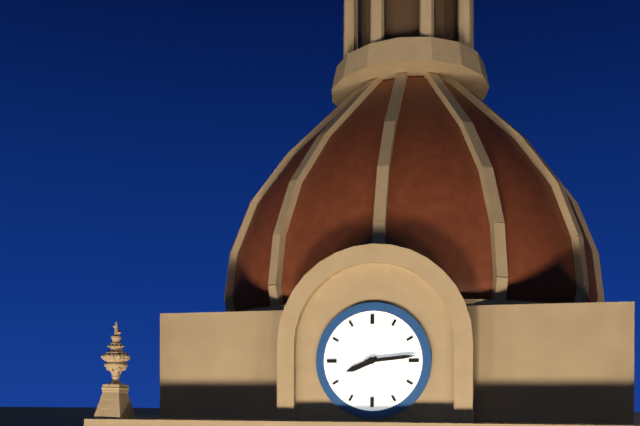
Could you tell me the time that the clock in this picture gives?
8:14
